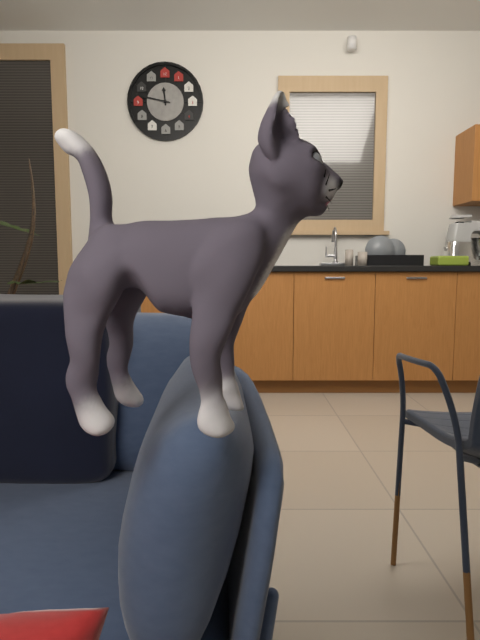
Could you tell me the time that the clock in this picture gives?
11:47
